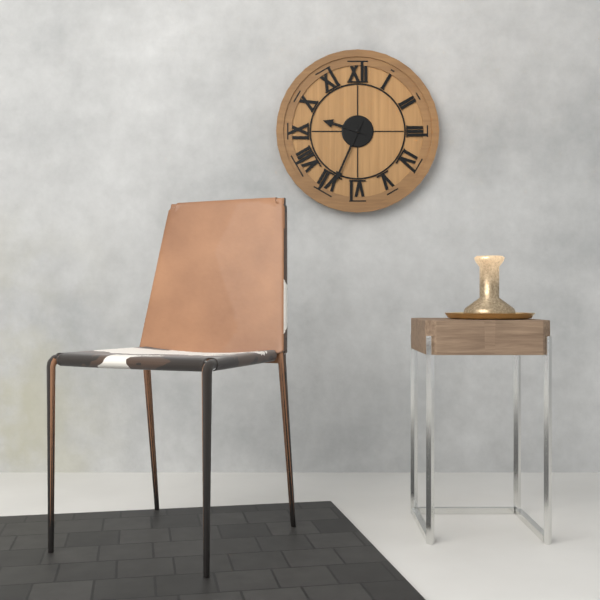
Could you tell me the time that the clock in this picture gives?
9:34
